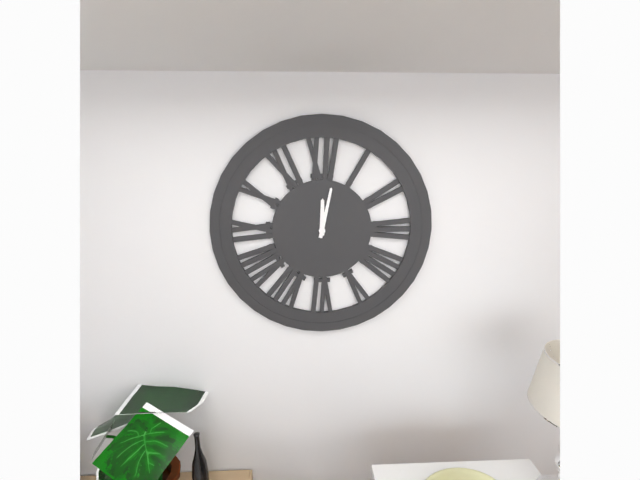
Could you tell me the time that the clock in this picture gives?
12:02
